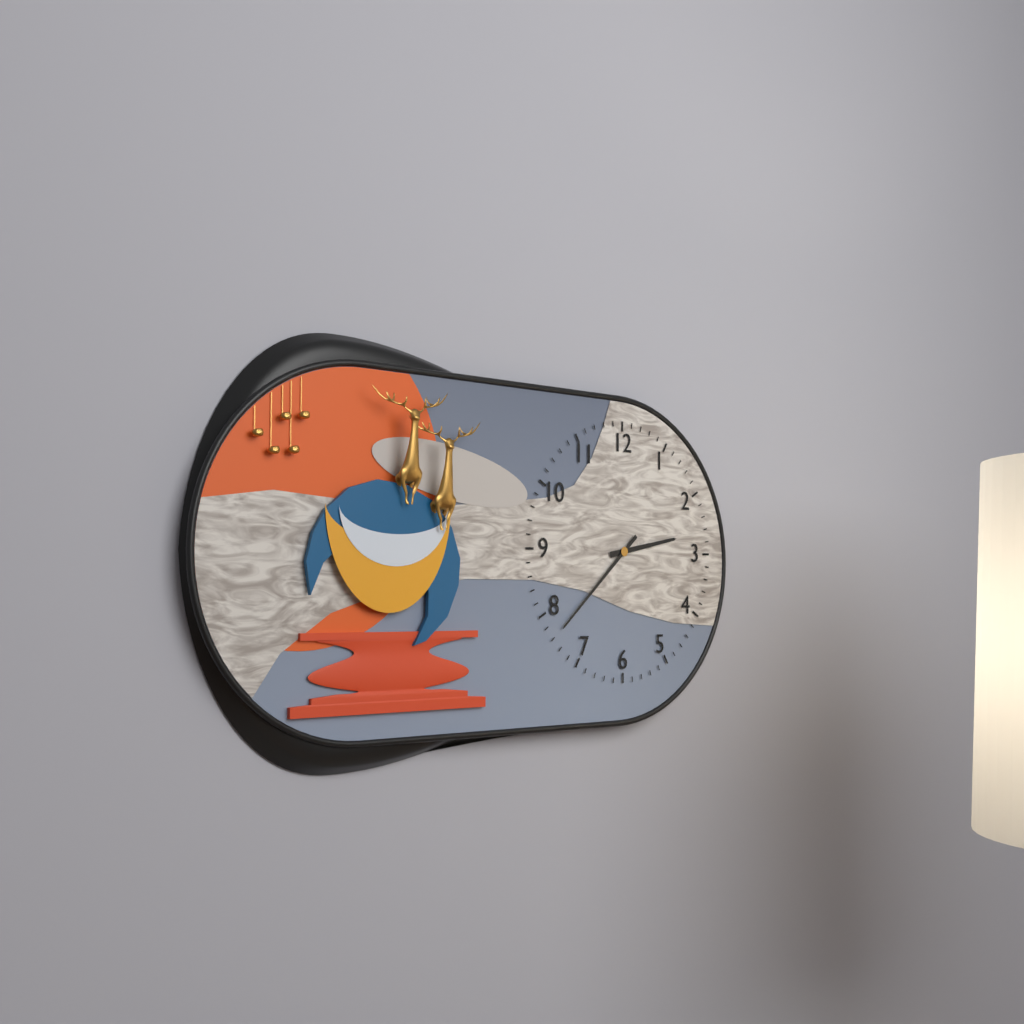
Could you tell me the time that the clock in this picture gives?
2:38
